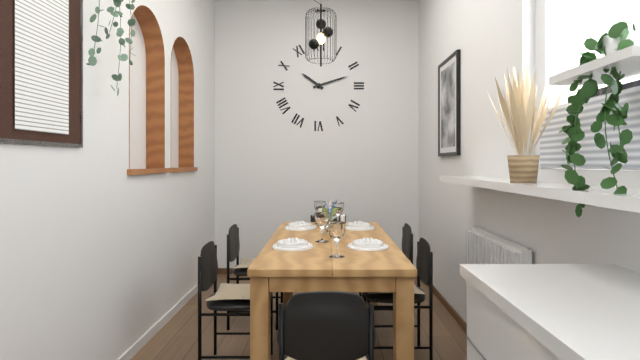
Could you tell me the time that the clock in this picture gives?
10:12
